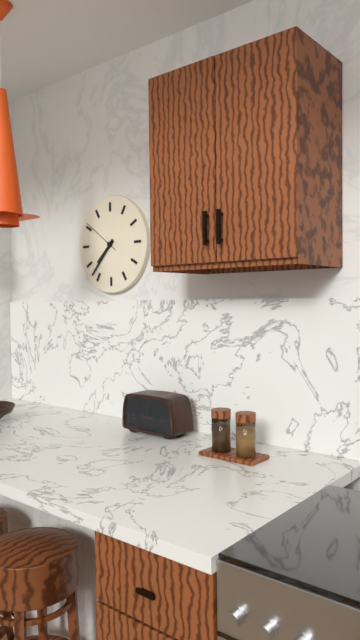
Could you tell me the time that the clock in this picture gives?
7:37
